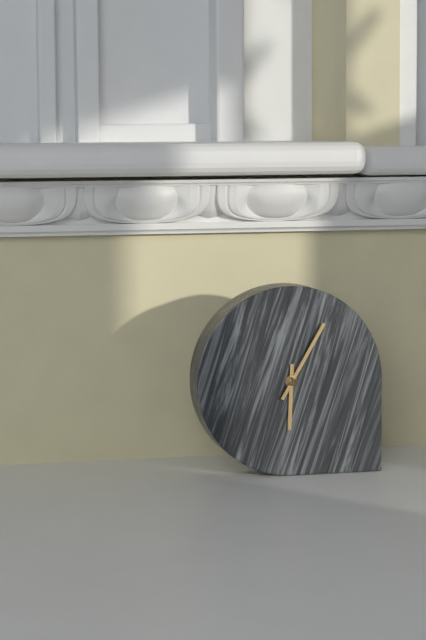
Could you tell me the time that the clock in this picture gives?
6:05
